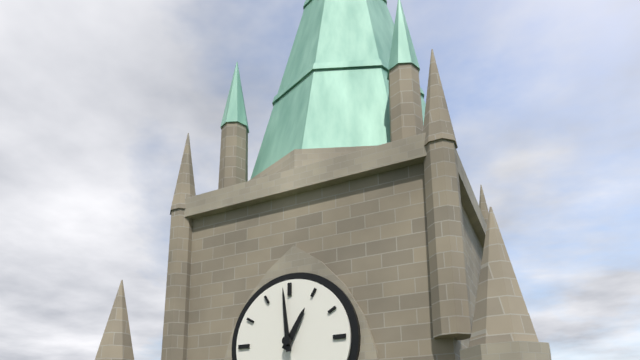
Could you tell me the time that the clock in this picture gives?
12:59
